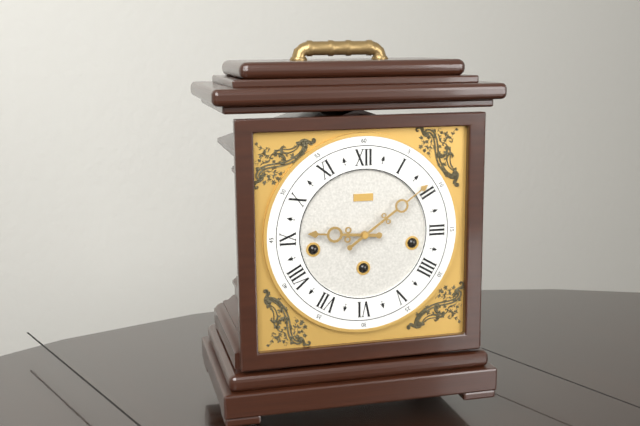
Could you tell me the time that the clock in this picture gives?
9:09
